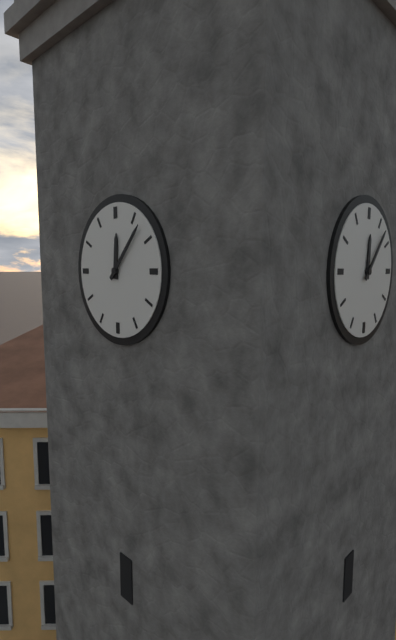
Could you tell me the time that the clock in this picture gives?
12:07
